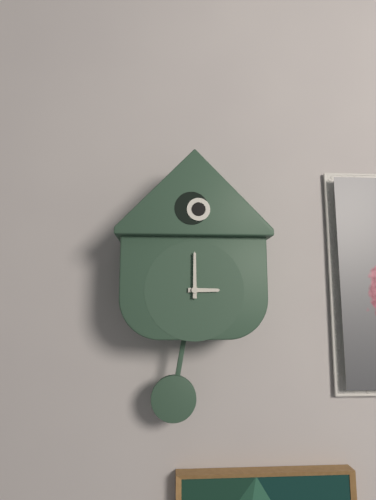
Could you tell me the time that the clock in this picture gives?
3:00
